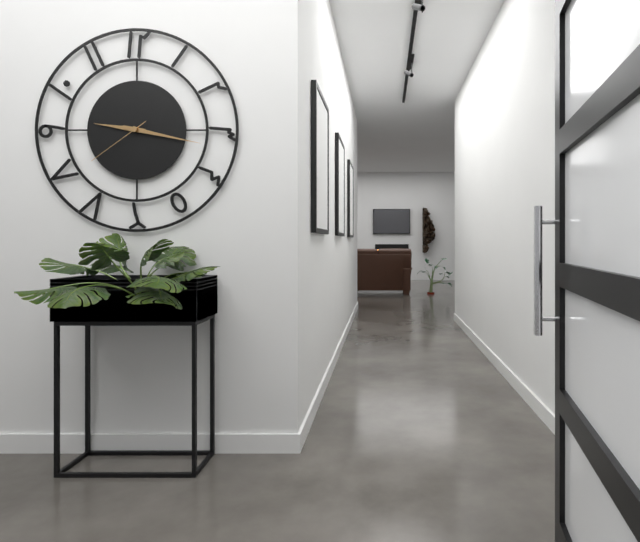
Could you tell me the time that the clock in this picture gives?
9:17:39
